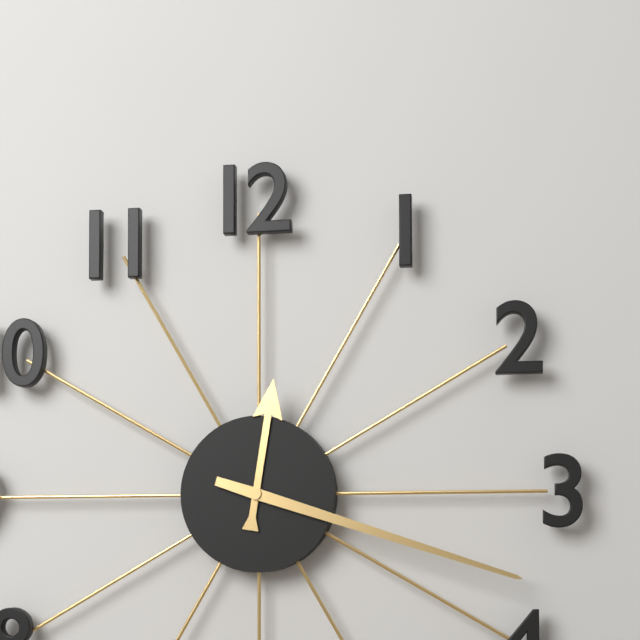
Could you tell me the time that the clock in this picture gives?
12:18
